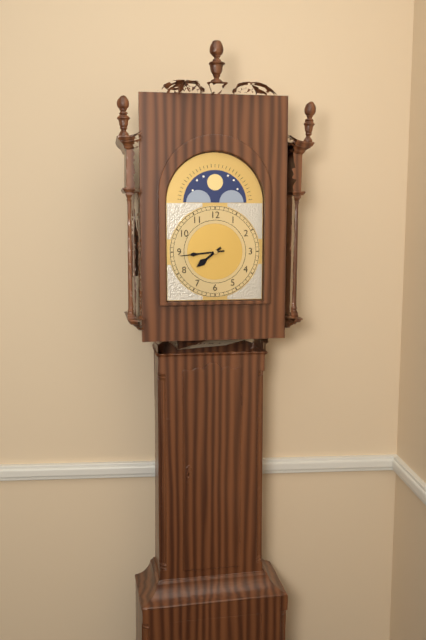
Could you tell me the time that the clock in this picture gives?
7:44
